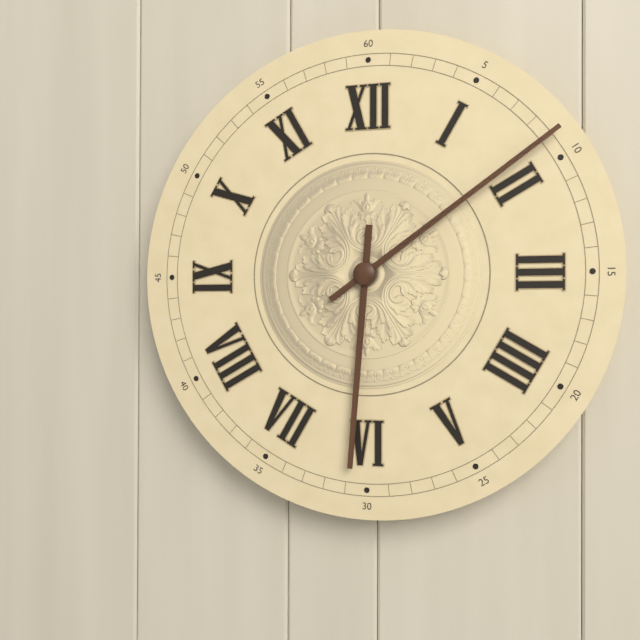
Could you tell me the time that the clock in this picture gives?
6:09
